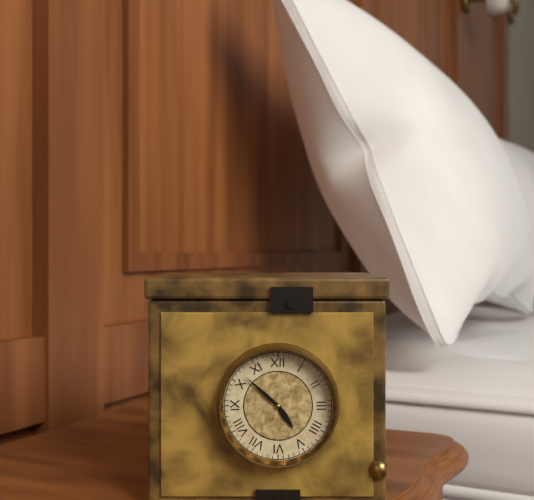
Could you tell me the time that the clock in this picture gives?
4:52
